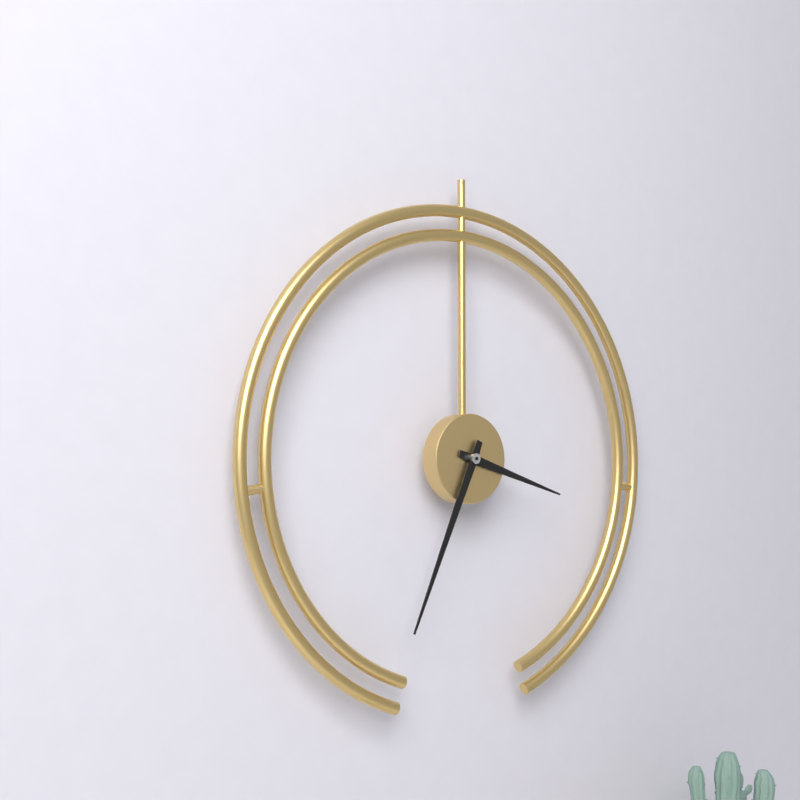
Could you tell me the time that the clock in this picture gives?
3:34
